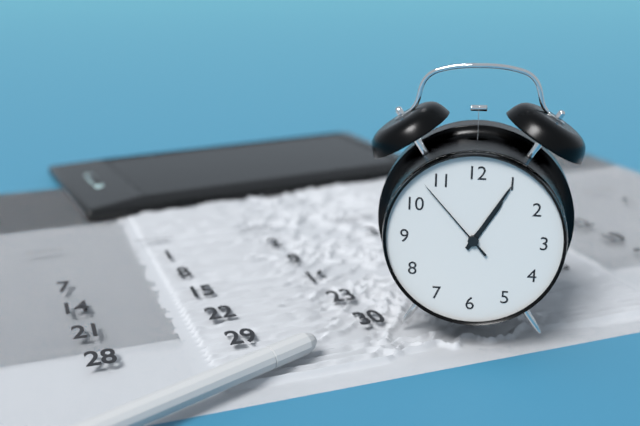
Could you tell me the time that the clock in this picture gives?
1:05:53
